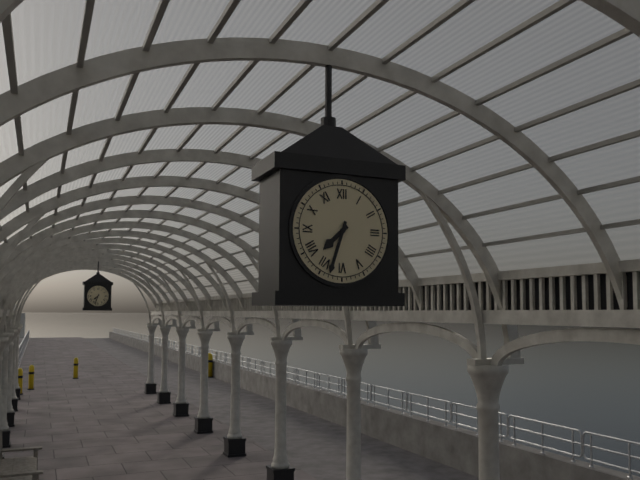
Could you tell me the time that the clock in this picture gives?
7:33
